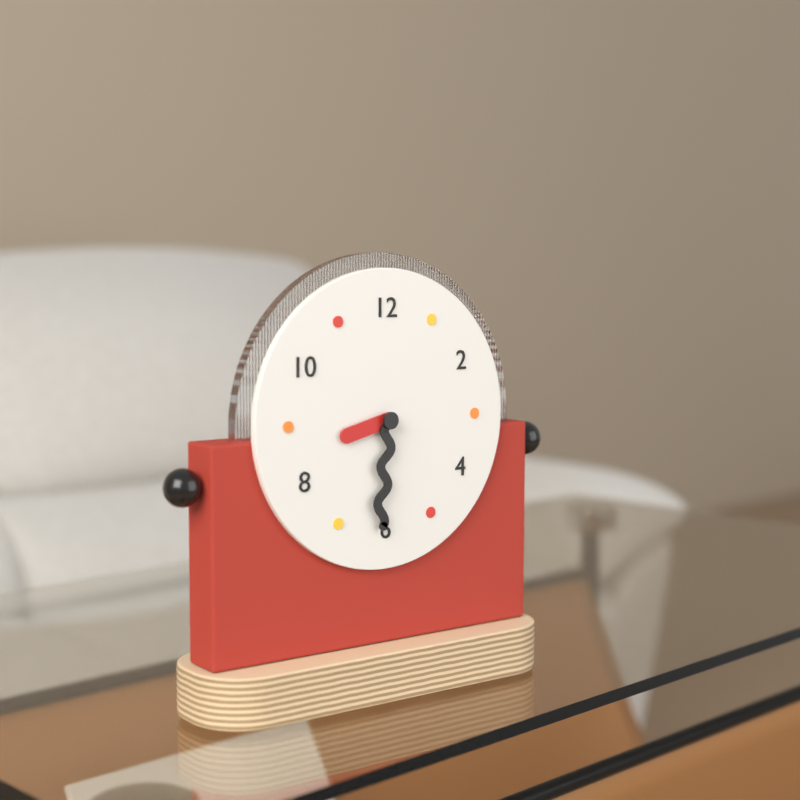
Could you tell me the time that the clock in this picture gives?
8:31
